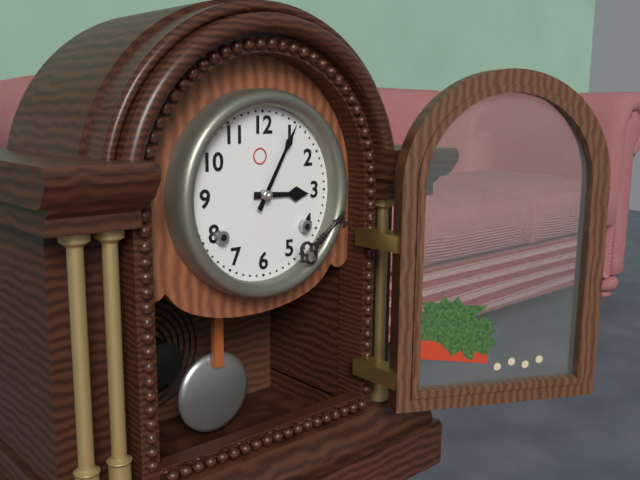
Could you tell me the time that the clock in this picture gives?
3:05
